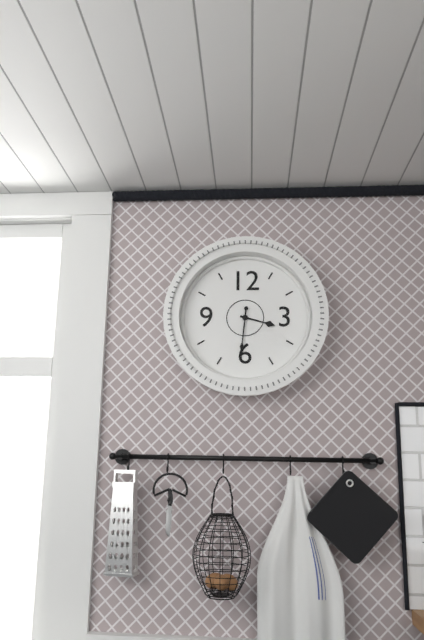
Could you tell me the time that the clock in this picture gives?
3:31
